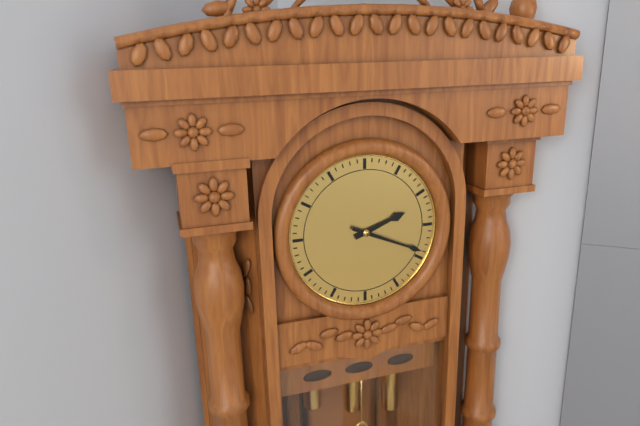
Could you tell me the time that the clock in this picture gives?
2:19
